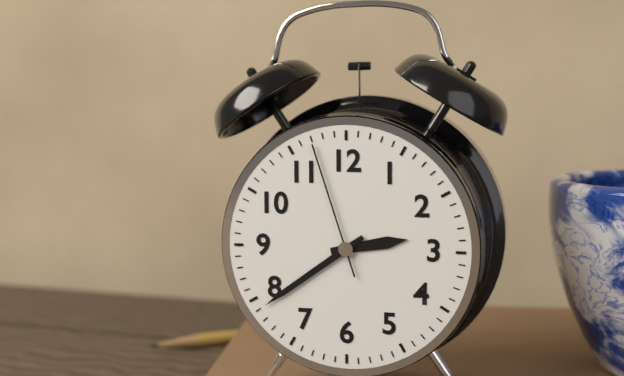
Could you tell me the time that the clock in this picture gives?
2:39:57
